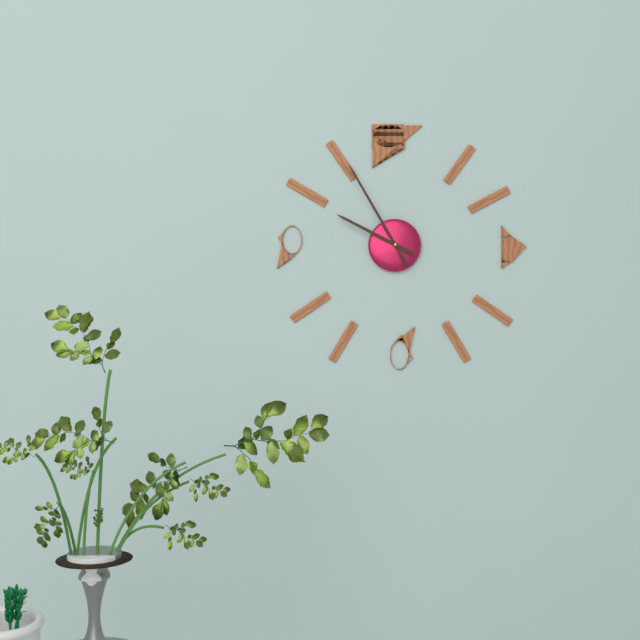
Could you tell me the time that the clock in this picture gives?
9:55
